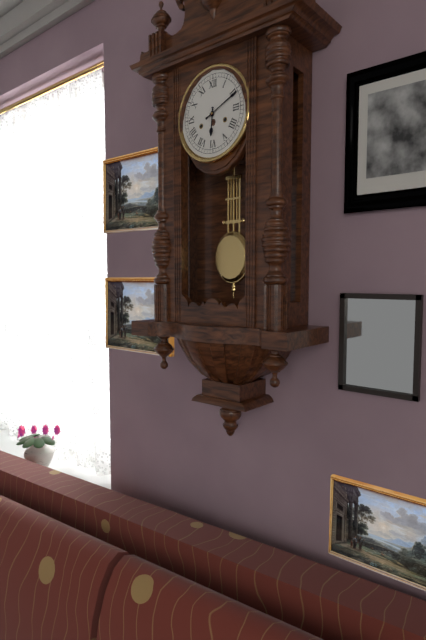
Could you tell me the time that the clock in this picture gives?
6:11
